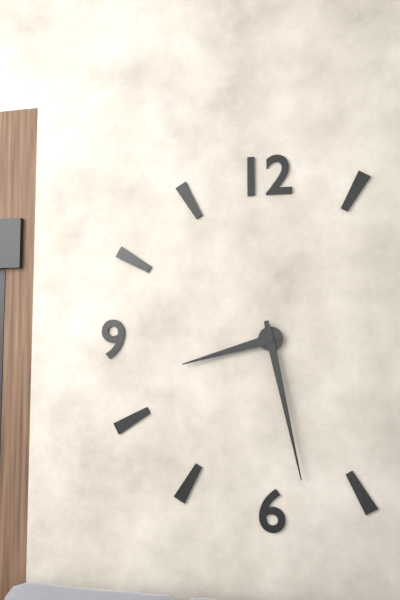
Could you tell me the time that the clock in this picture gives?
8:28
